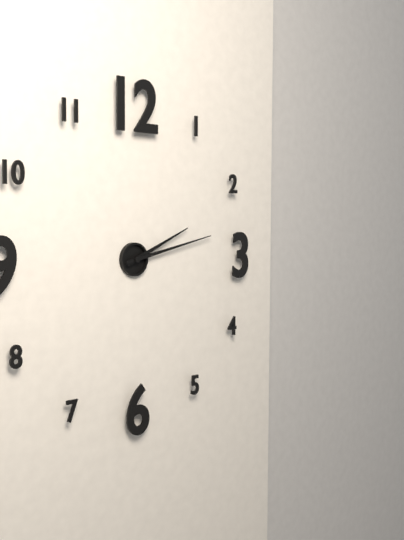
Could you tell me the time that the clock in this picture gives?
2:13
